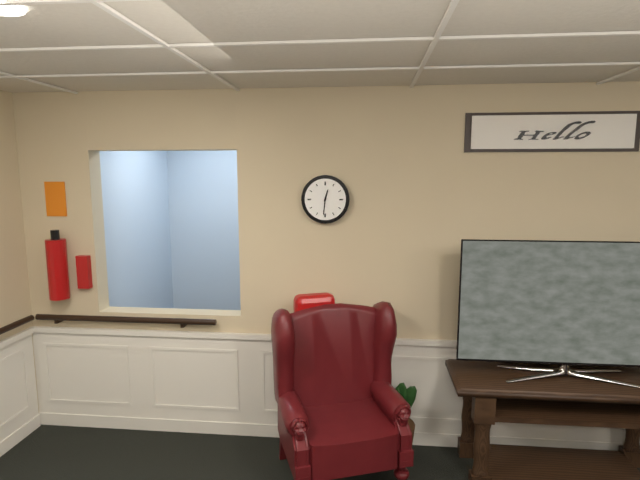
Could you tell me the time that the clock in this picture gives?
12:31
